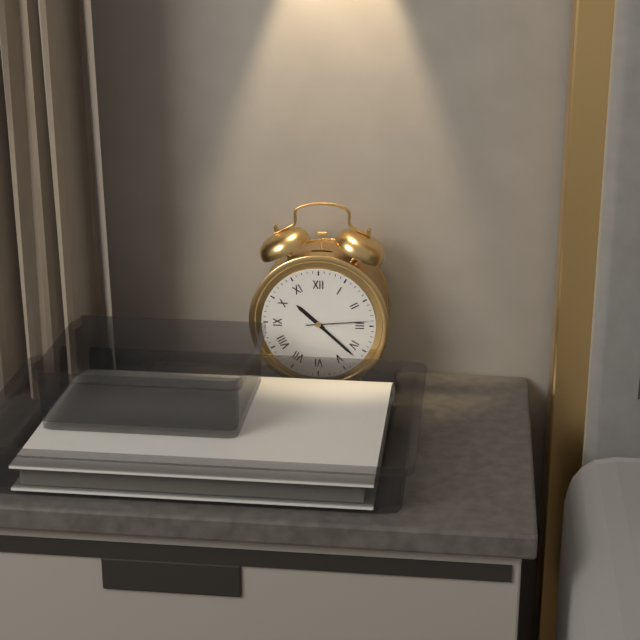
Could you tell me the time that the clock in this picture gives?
10:22:14
